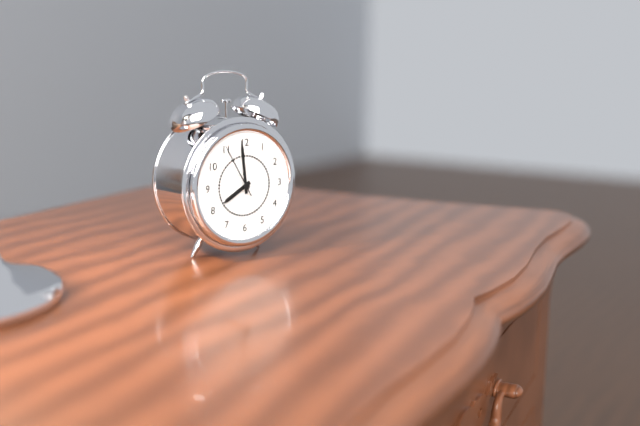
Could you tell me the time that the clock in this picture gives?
7:59:55
